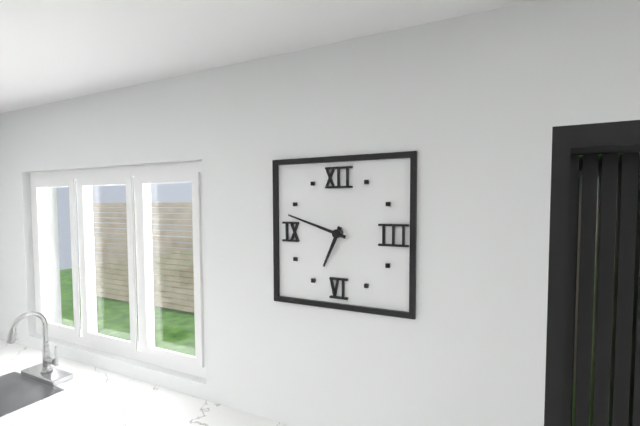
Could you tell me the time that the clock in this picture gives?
6:48
